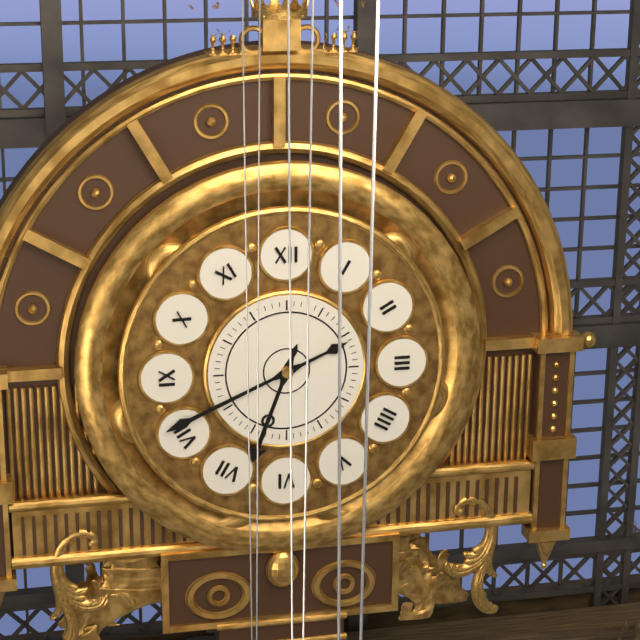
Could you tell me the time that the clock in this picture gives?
6:41
